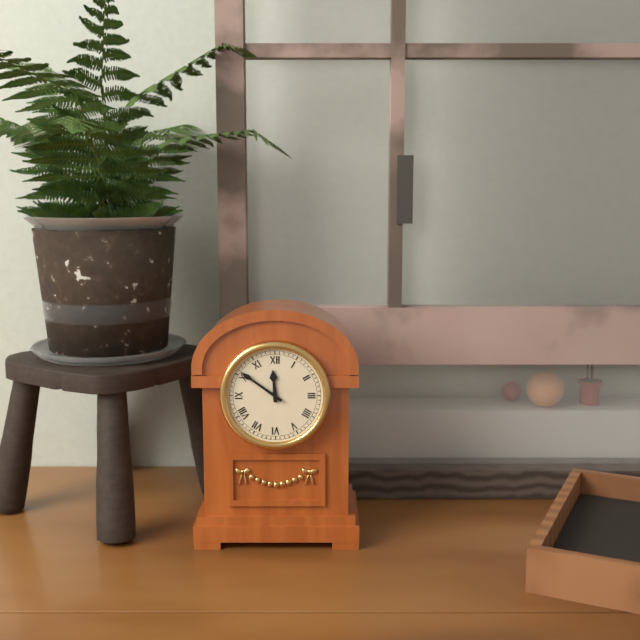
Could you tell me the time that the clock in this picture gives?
11:51
